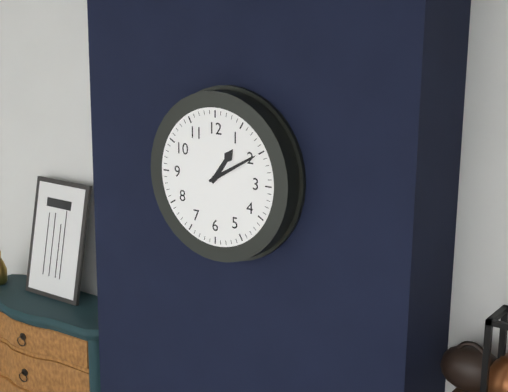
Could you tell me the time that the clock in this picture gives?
1:10
